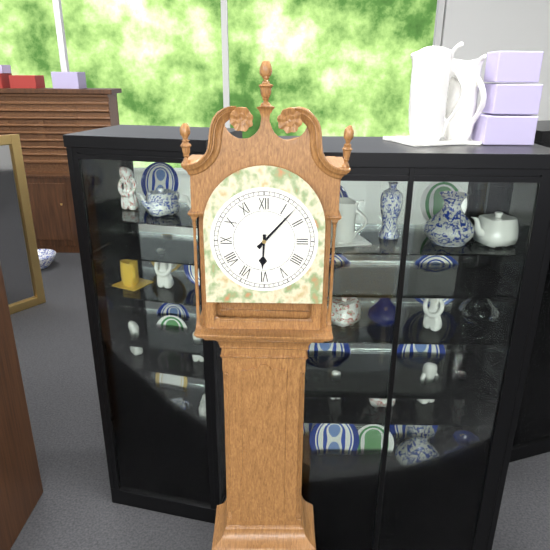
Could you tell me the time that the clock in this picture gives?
6:07
